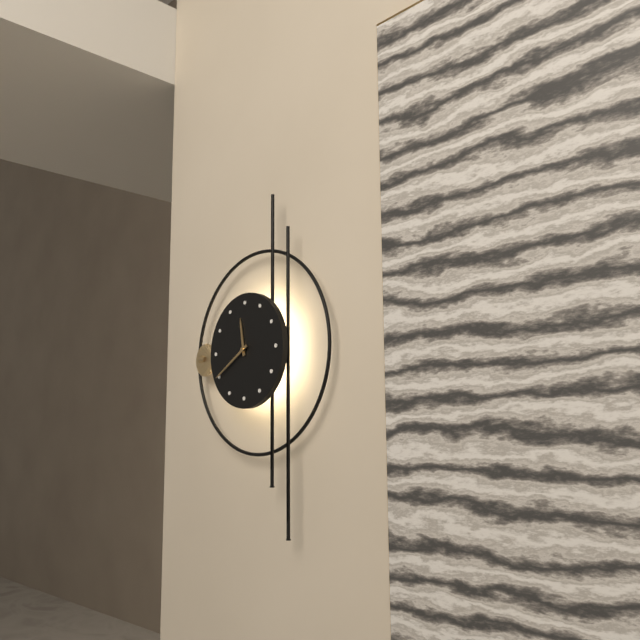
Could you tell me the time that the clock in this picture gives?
11:40
